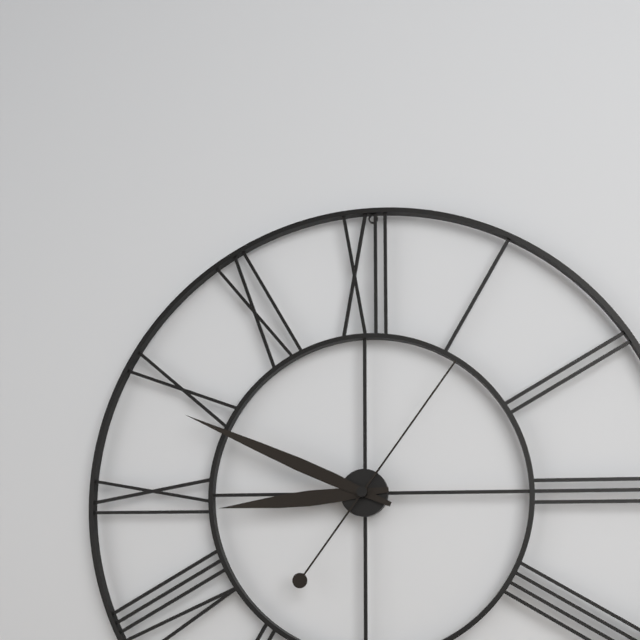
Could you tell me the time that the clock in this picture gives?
8:49:06
